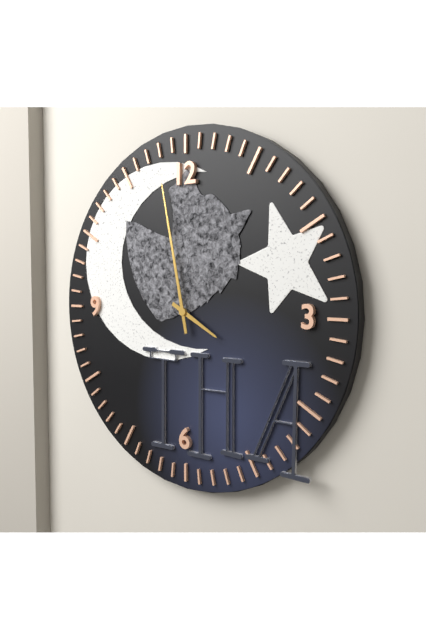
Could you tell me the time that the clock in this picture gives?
3:58
